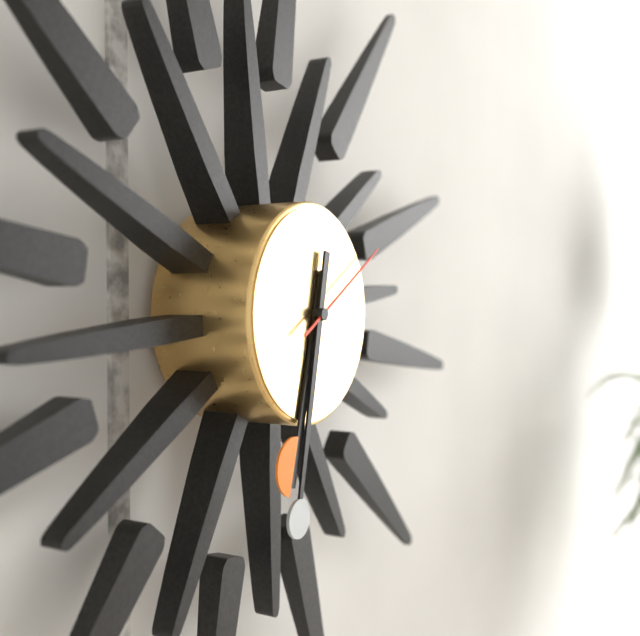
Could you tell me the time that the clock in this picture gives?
6:32:10
